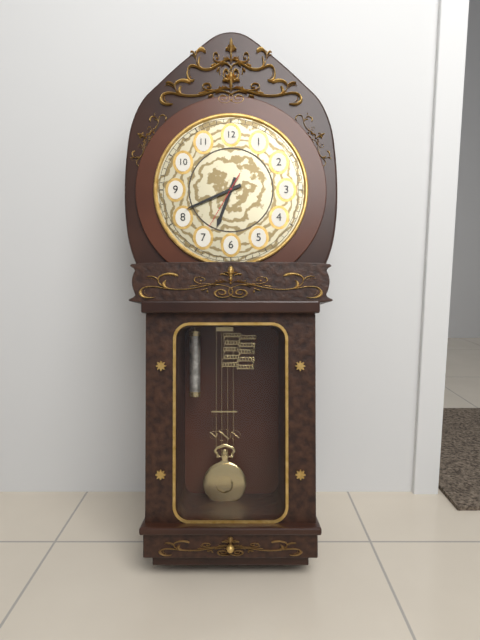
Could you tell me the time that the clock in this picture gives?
6:41
